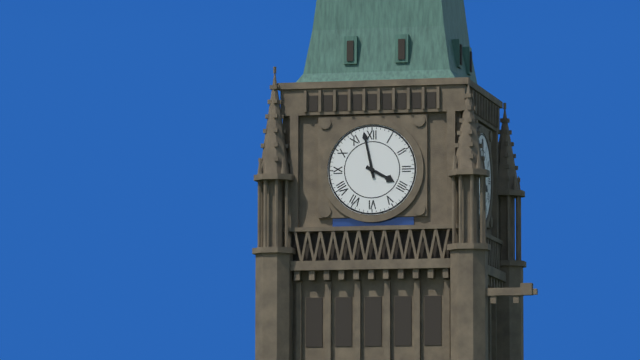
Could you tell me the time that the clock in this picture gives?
3:58
